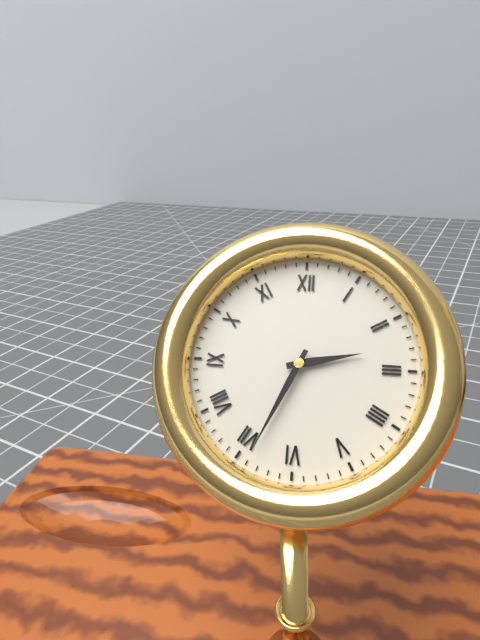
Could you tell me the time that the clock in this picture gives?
2:34
